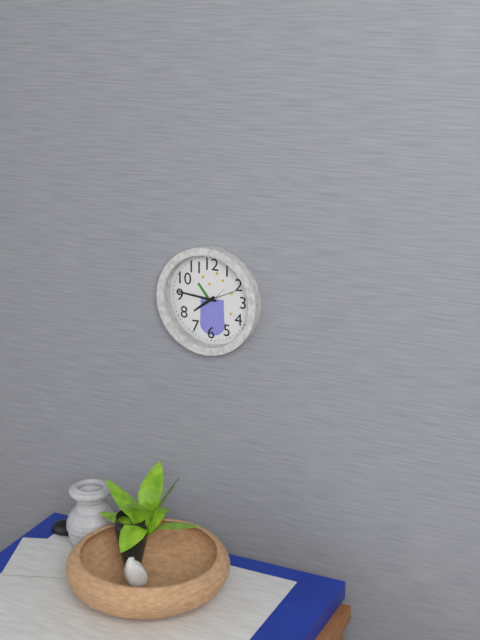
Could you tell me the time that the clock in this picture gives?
7:46
